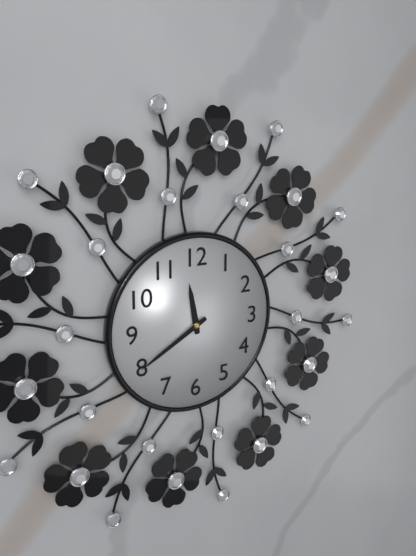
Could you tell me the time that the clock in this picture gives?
11:40
